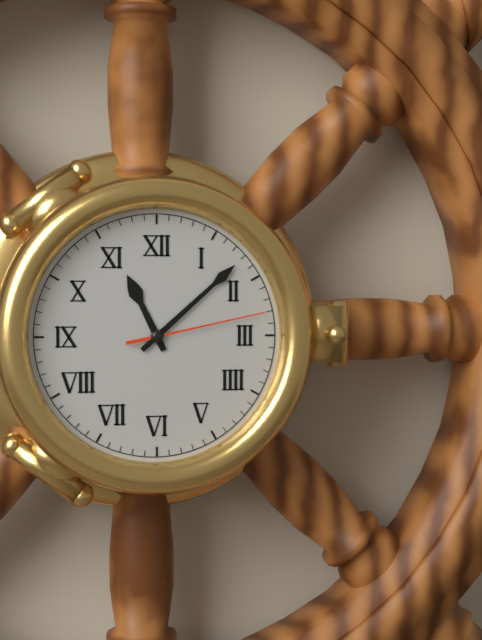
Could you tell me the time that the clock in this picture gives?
11:08:13
